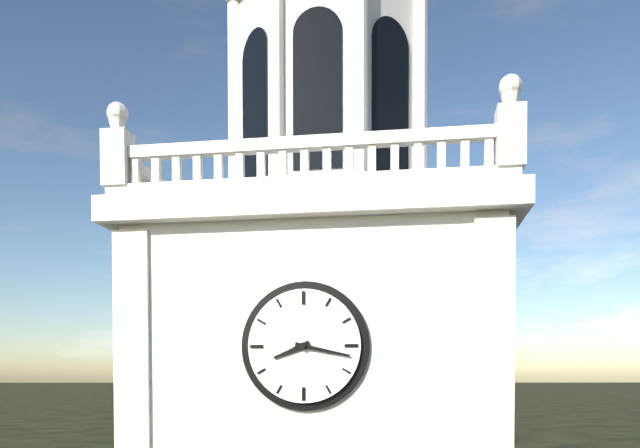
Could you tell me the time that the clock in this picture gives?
8:17
